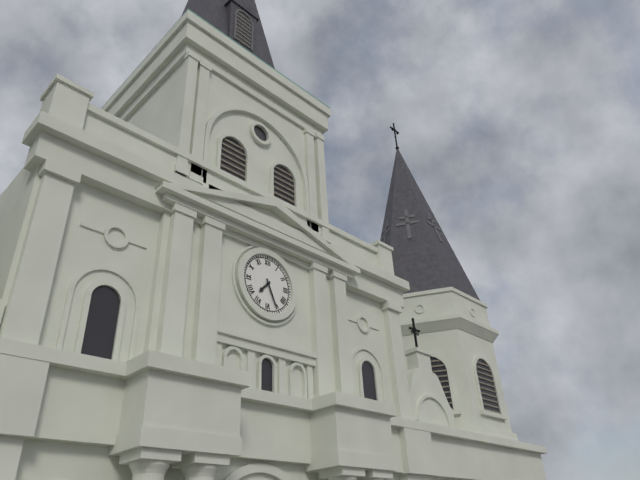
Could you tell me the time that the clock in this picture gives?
7:26
